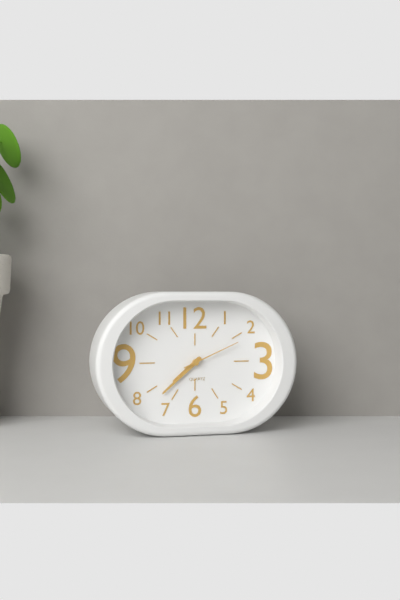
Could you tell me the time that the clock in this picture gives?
7:38:11
